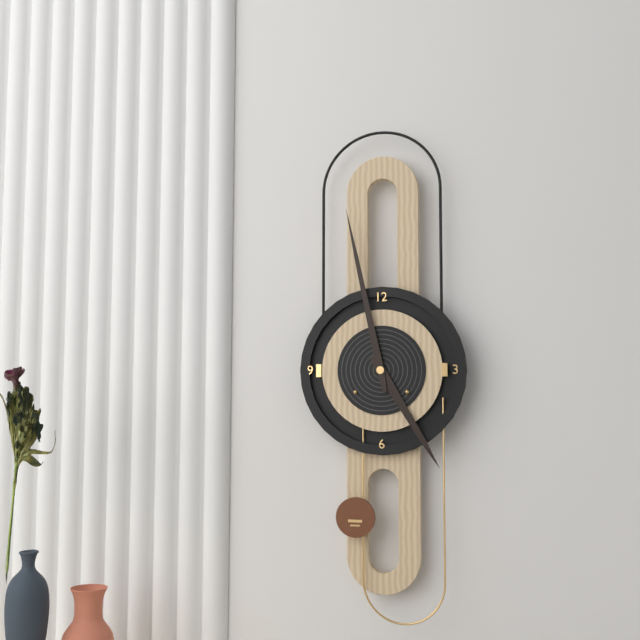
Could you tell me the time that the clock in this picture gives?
4:58
